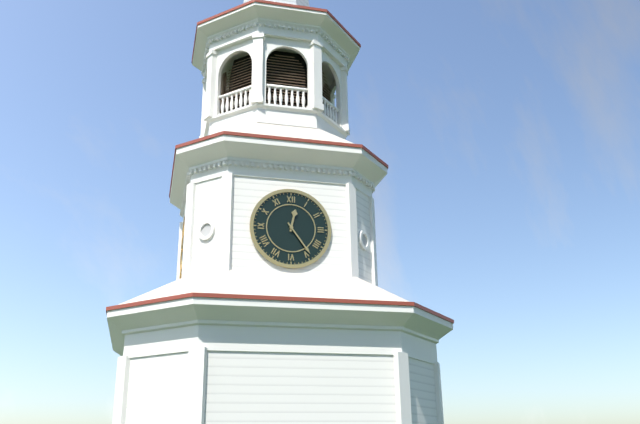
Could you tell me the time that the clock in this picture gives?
12:24
